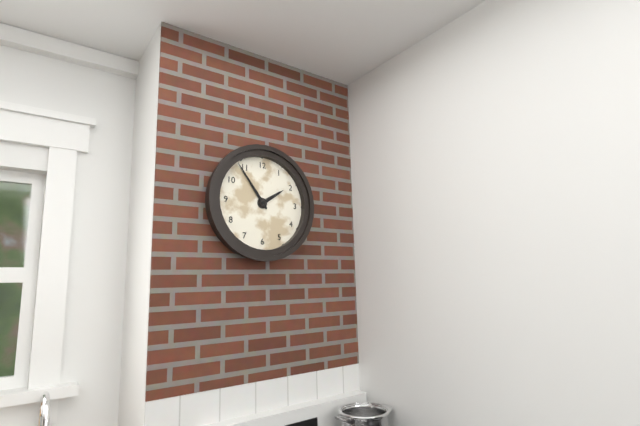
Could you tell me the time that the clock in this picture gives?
1:54
